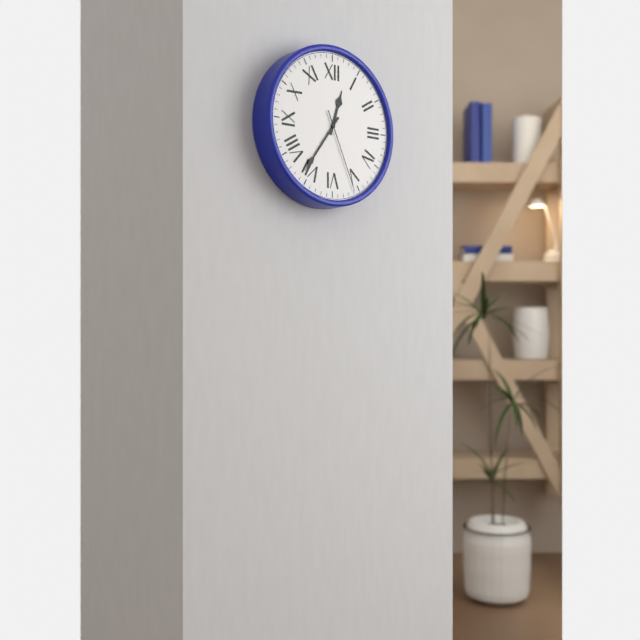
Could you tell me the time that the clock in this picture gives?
12:36:26
